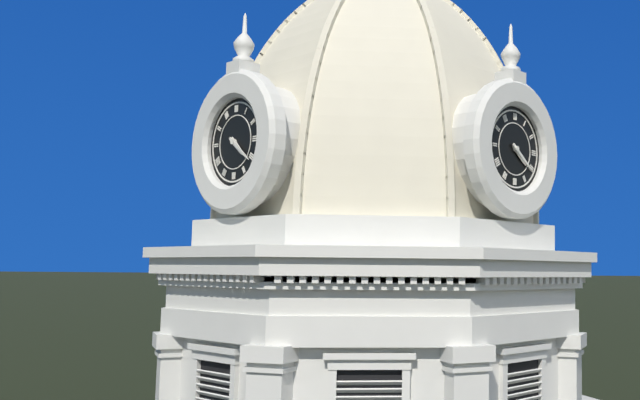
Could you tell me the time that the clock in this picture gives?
4:21
